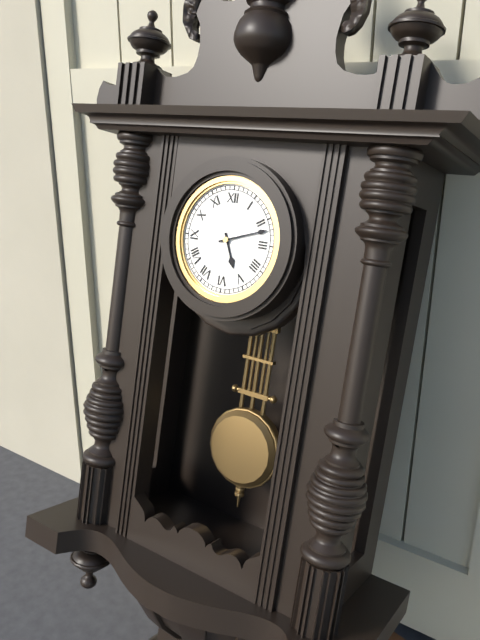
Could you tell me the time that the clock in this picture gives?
5:12
